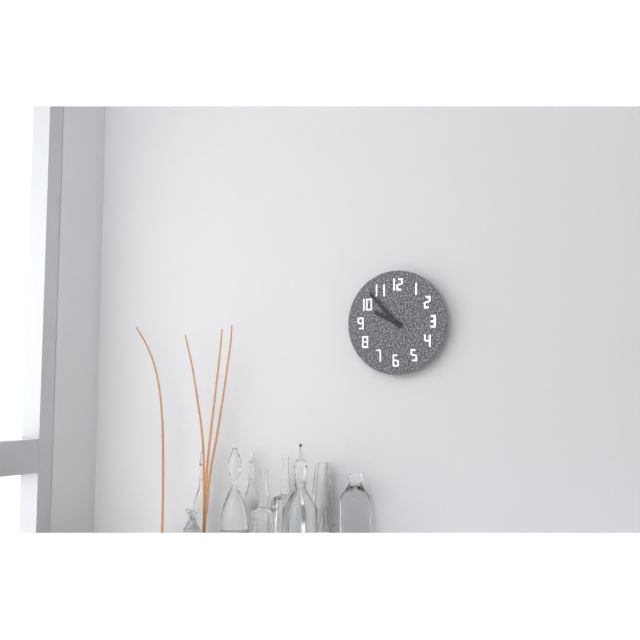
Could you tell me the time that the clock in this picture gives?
9:53
